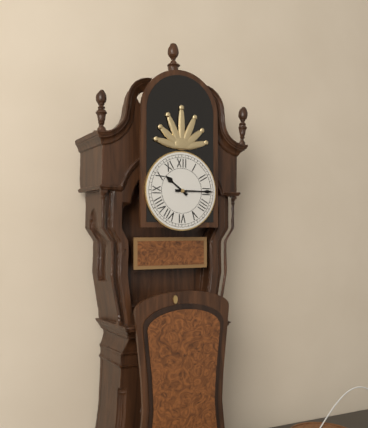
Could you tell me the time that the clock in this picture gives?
10:15
